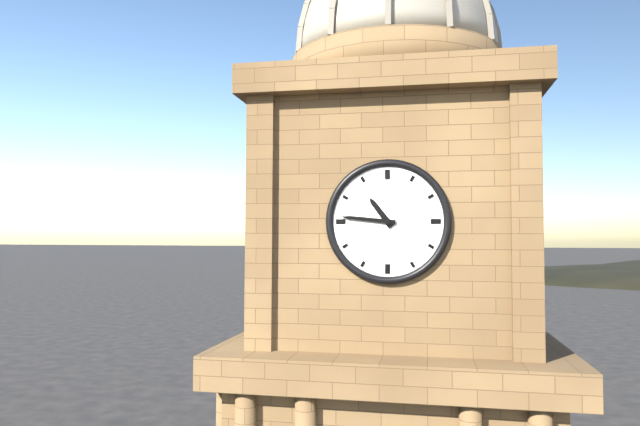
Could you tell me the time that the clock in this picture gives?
10:46
